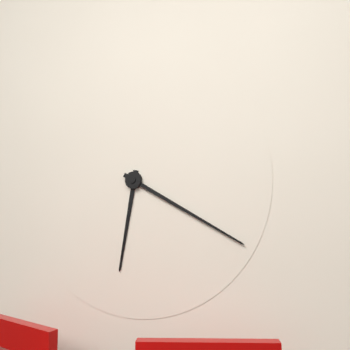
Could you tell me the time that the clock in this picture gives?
6:20
